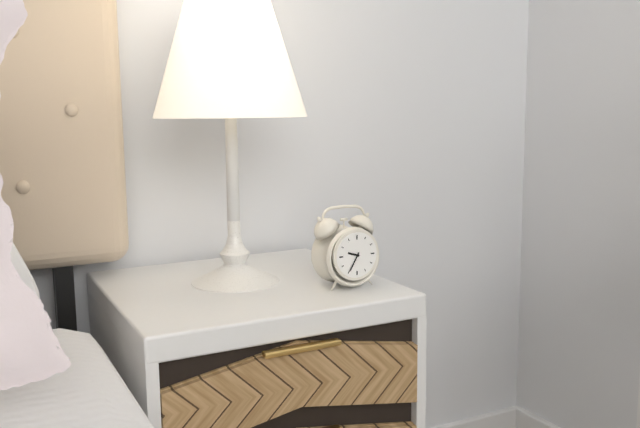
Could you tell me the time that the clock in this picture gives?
9:35
